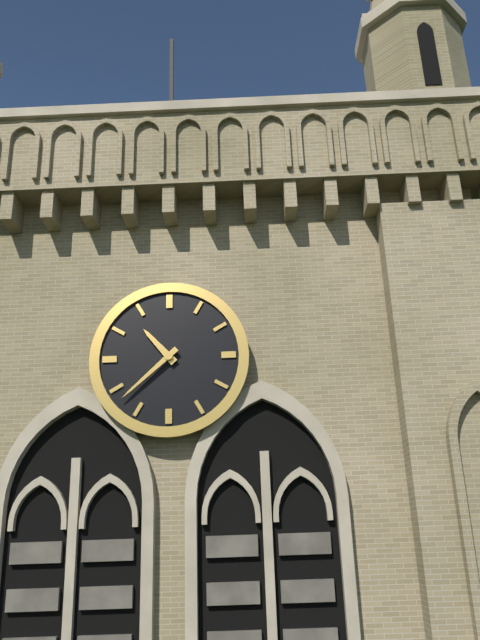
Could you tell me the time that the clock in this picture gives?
10:38
